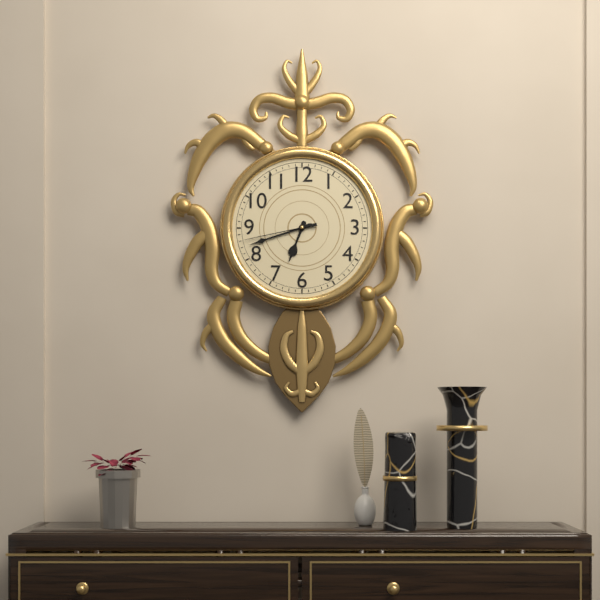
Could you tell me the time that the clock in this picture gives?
6:42:43
